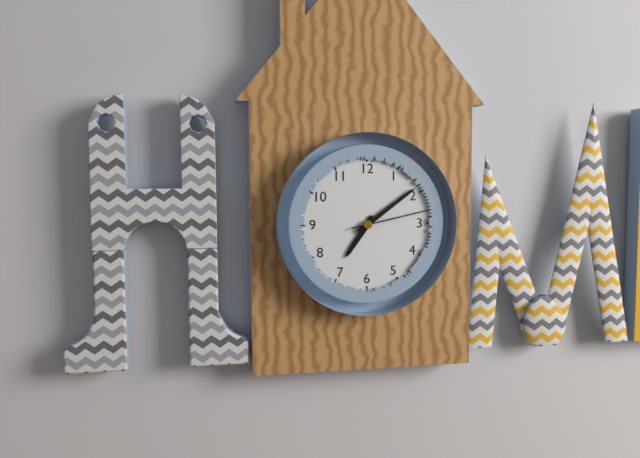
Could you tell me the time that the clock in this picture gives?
7:09:13
